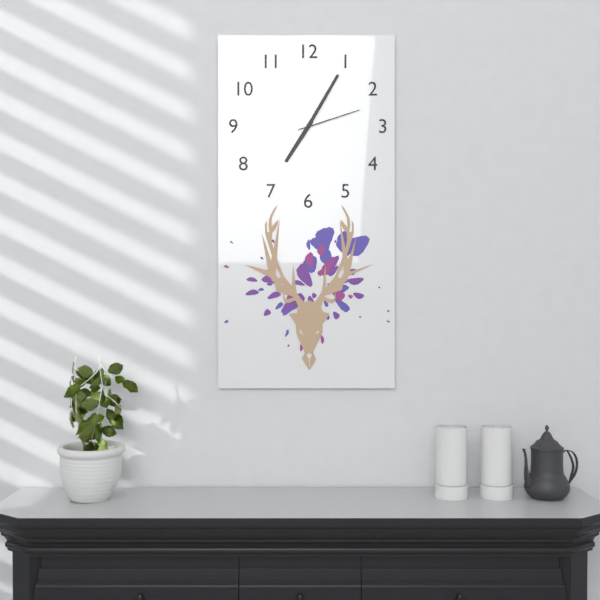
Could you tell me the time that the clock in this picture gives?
7:05:12
